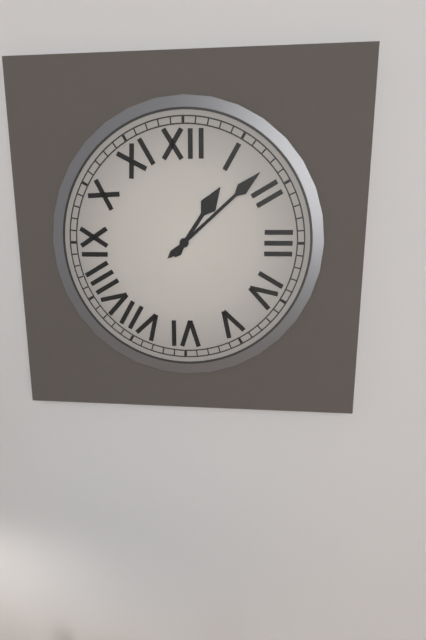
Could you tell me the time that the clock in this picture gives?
1:08
